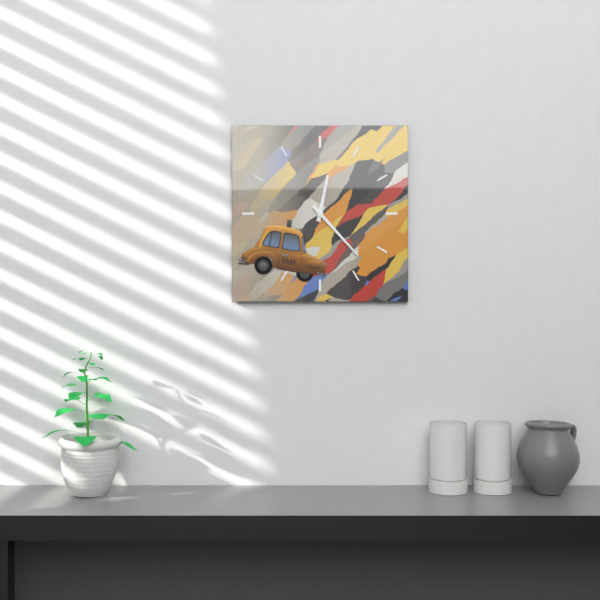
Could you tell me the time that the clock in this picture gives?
12:23
